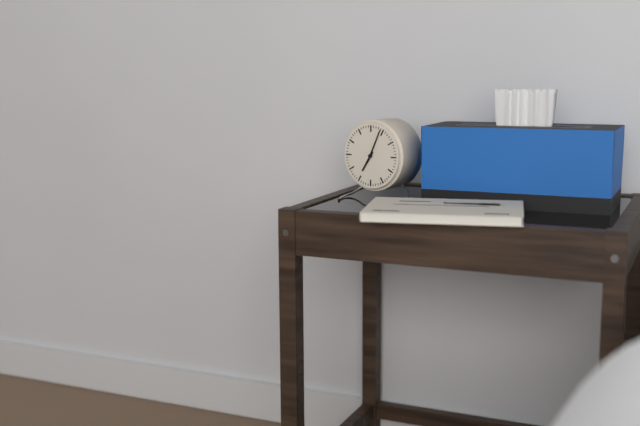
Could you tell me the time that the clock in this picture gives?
7:04
